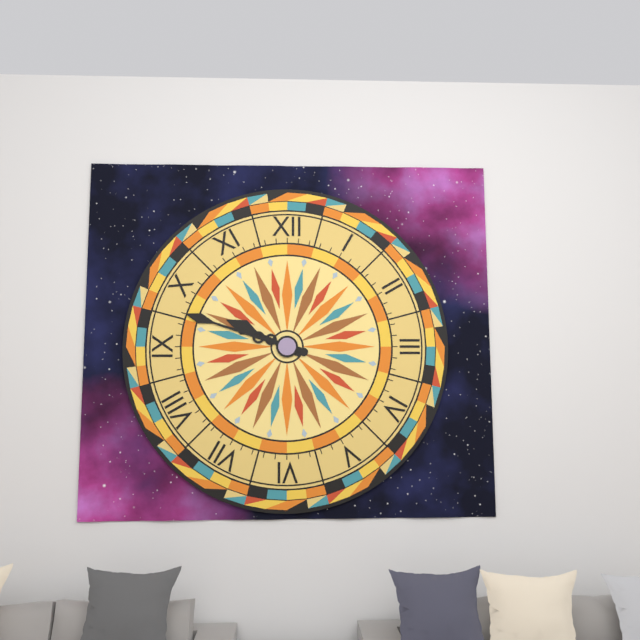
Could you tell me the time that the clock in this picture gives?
9:48
